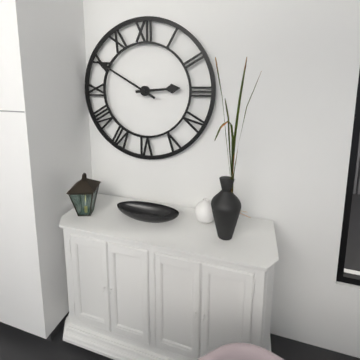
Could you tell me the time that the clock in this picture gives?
2:50
